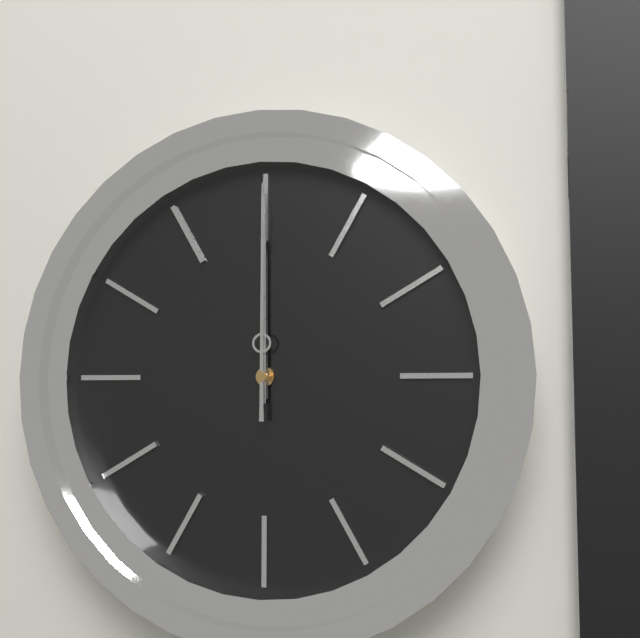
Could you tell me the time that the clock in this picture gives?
12:00:00
